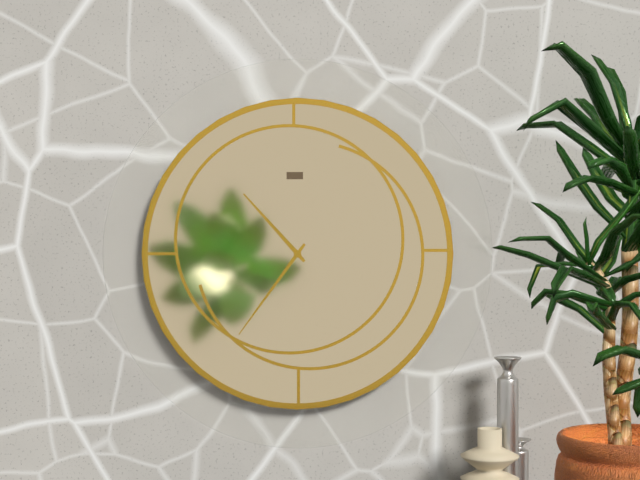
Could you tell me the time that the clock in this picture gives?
10:36
